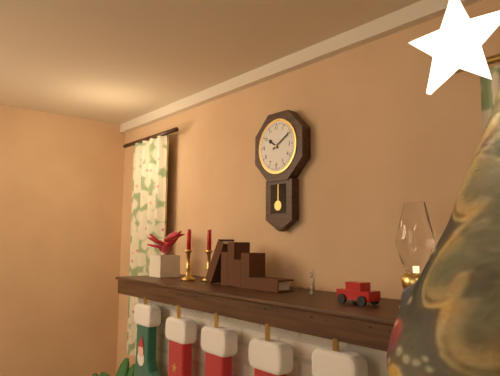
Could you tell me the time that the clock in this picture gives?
10:10
